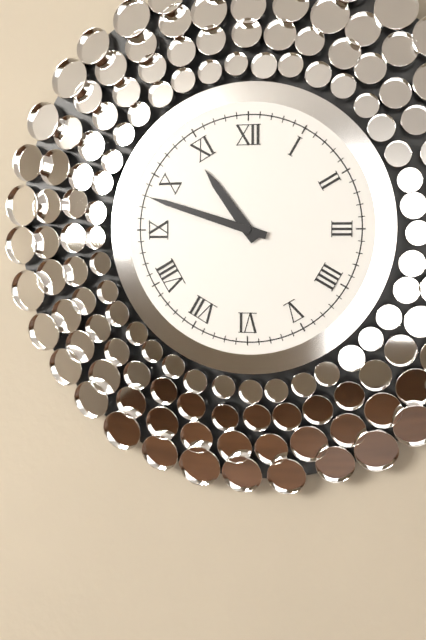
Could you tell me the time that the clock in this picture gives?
10:48
